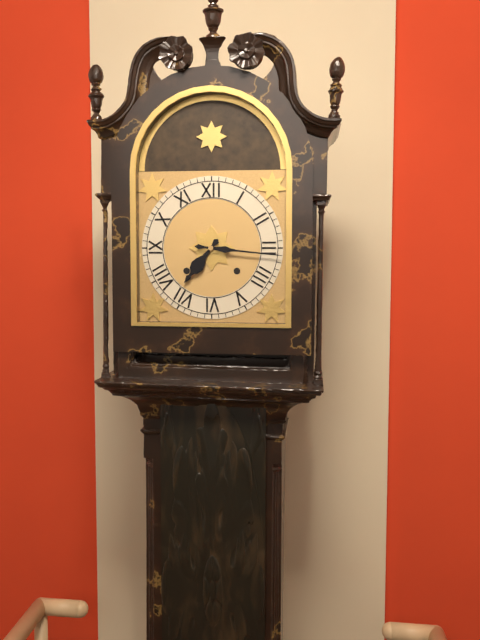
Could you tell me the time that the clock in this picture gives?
7:16
